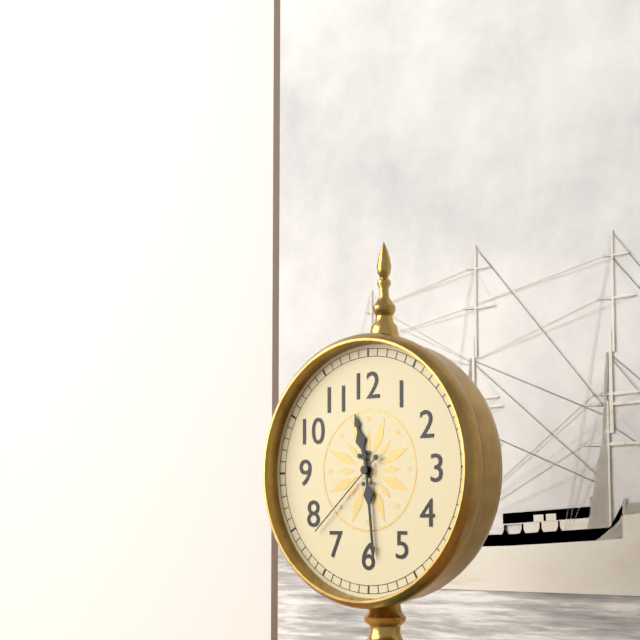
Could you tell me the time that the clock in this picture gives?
11:29:38
